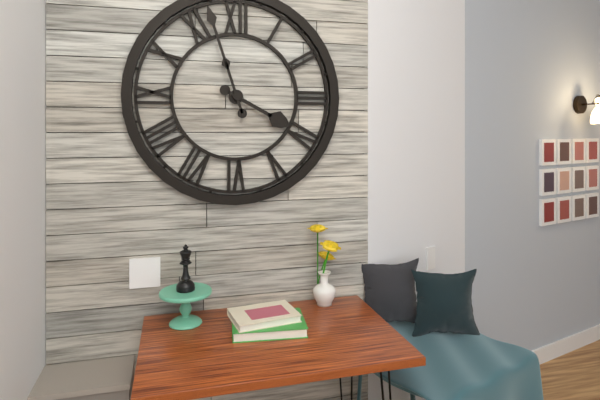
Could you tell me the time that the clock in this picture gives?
3:57
